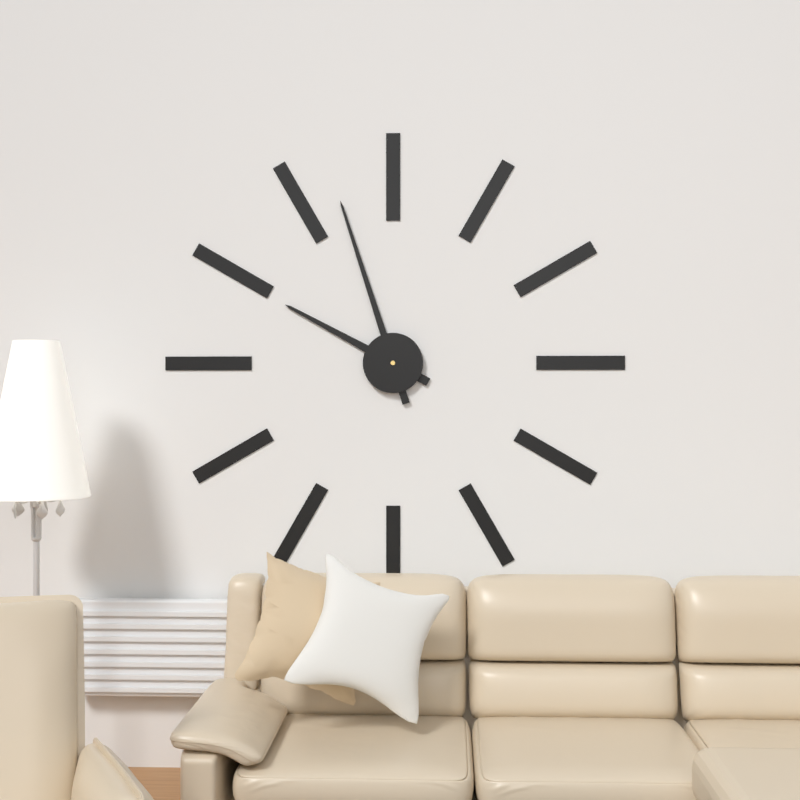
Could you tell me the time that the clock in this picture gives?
9:57
